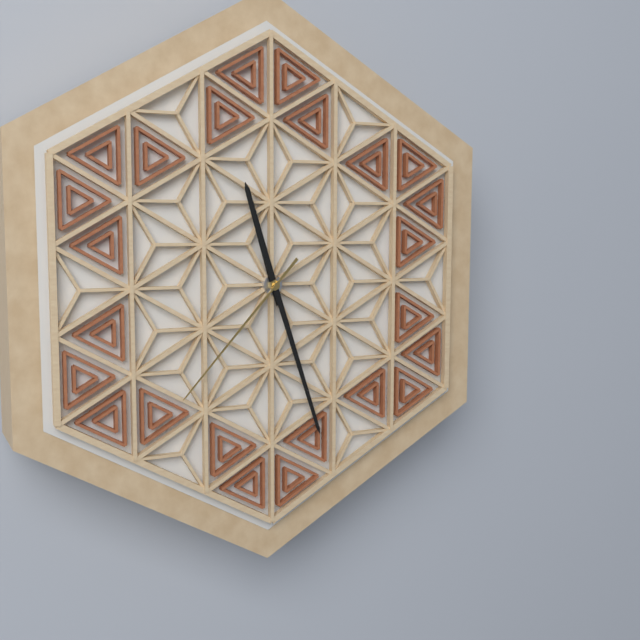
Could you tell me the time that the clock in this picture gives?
11:27:37
